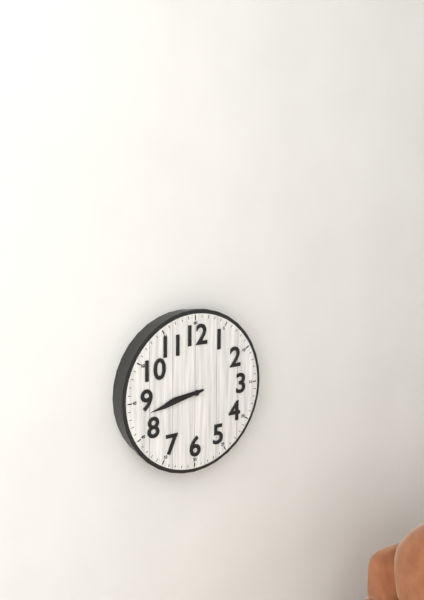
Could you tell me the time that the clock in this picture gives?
8:43
